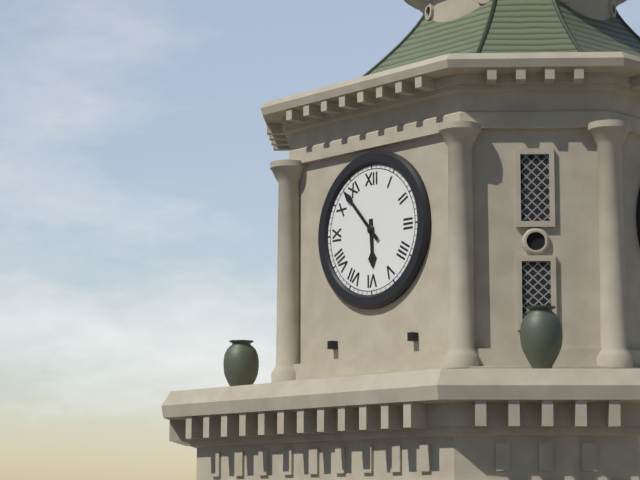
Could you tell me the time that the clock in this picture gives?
5:53
